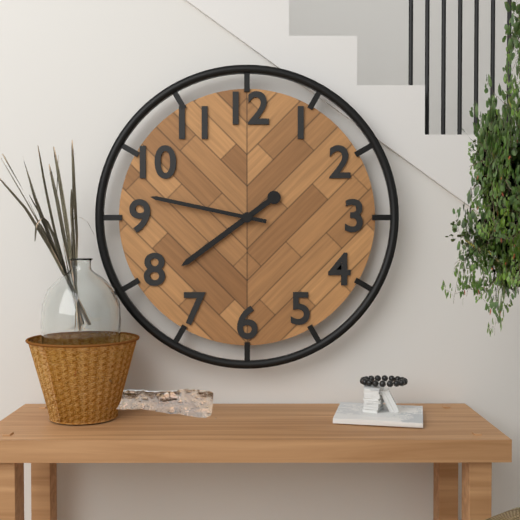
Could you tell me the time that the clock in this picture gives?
7:47
